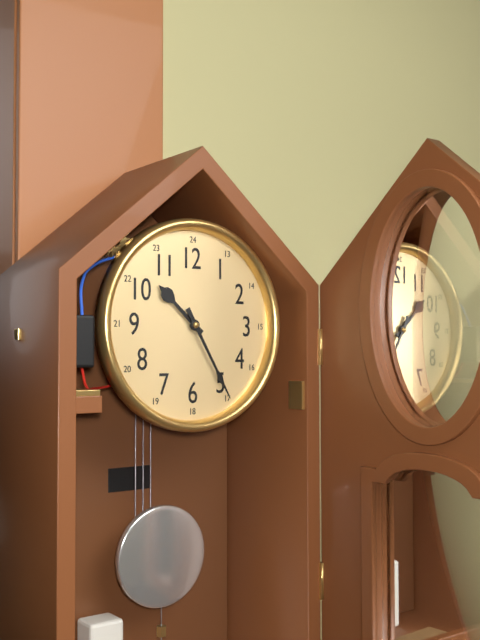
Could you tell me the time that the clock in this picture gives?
10:25
